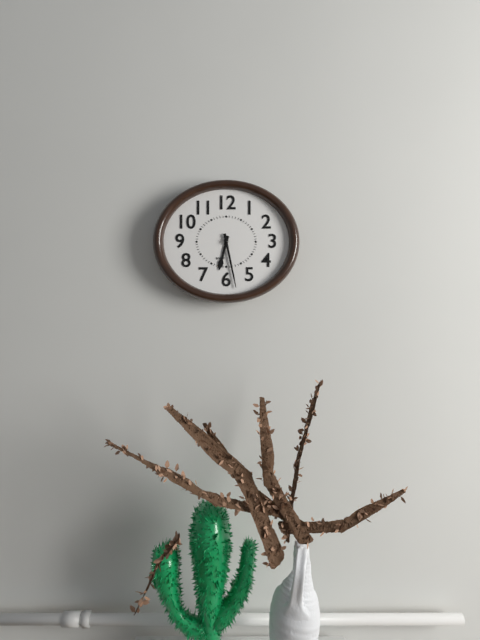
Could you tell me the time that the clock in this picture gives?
6:28
